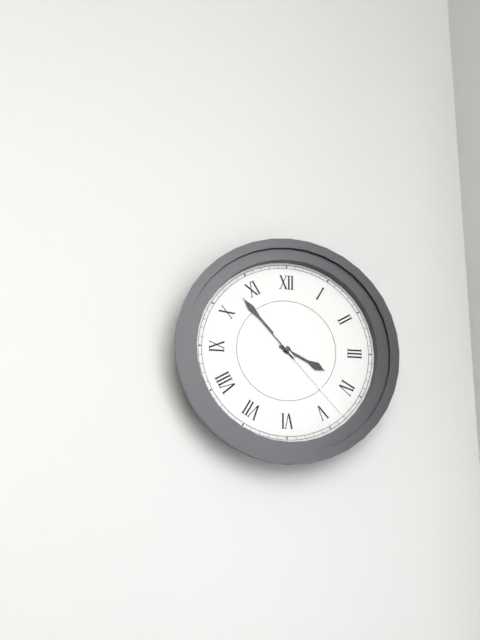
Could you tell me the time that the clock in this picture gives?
3:53:23
